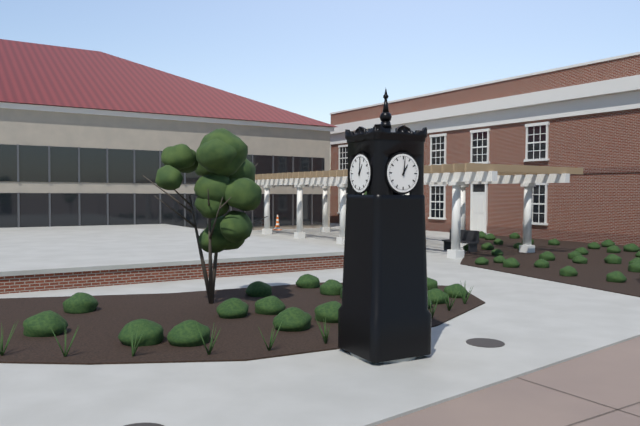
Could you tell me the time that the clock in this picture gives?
1:01
